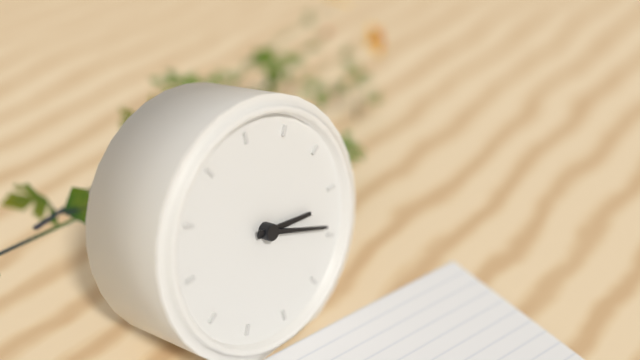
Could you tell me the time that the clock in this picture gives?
3:19
